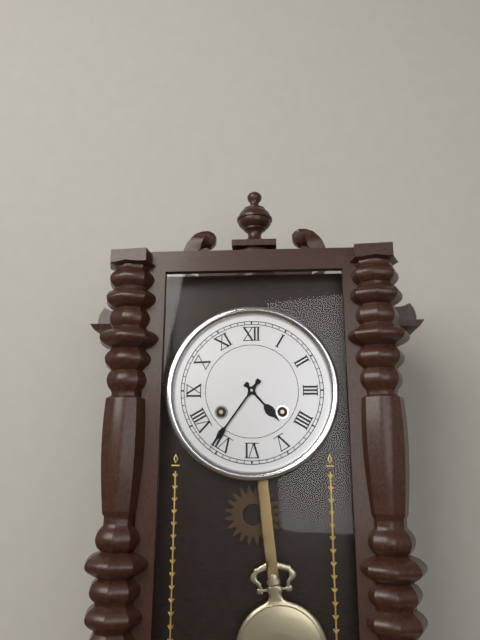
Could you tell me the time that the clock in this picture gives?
4:36
